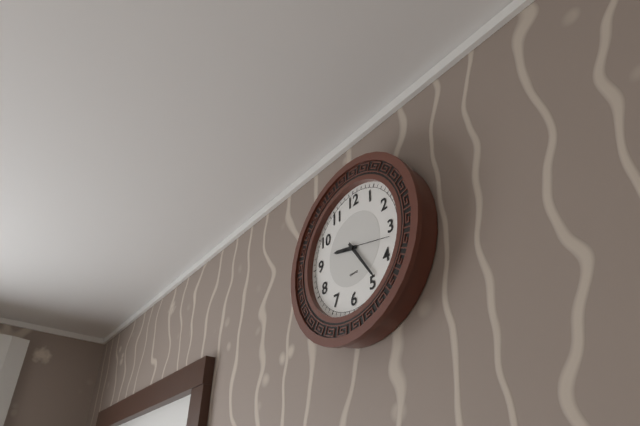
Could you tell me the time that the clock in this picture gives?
9:24
